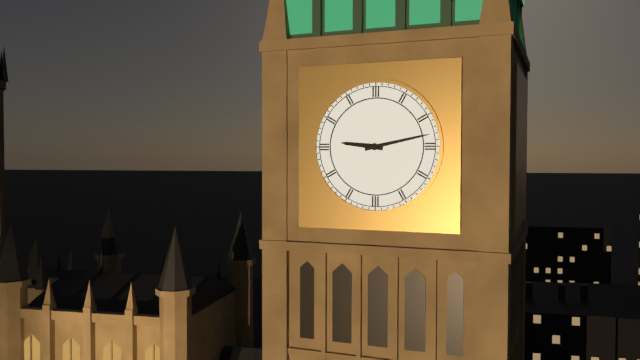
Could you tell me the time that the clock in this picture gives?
9:13
